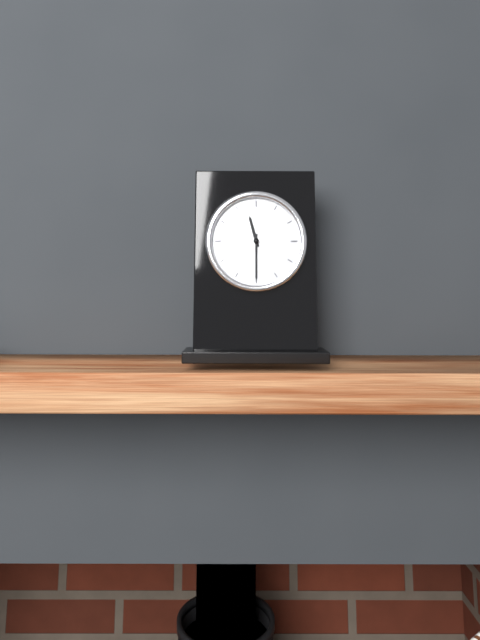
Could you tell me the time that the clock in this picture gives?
11:30
